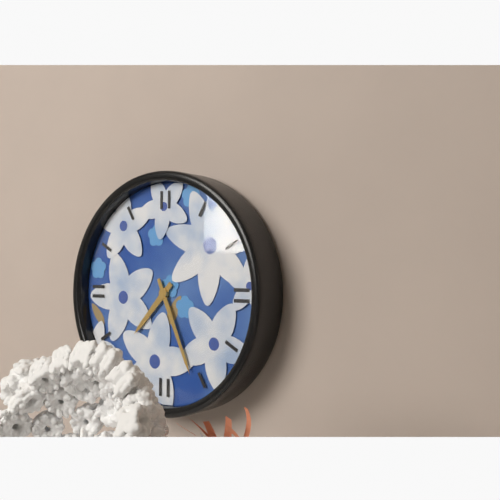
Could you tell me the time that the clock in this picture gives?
7:26
